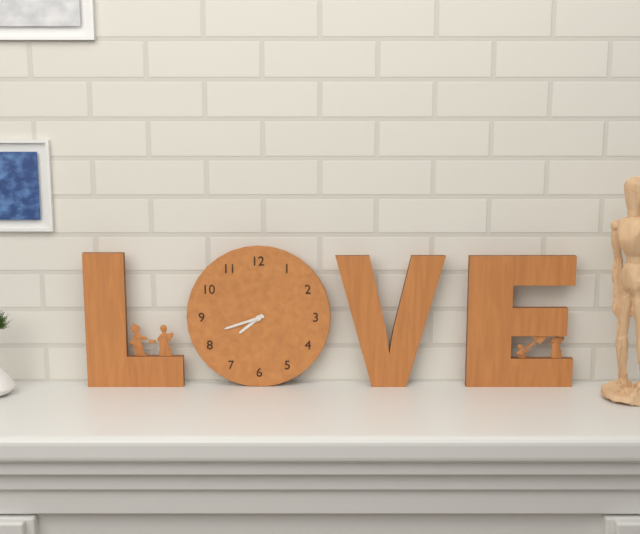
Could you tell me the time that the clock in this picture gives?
7:42
